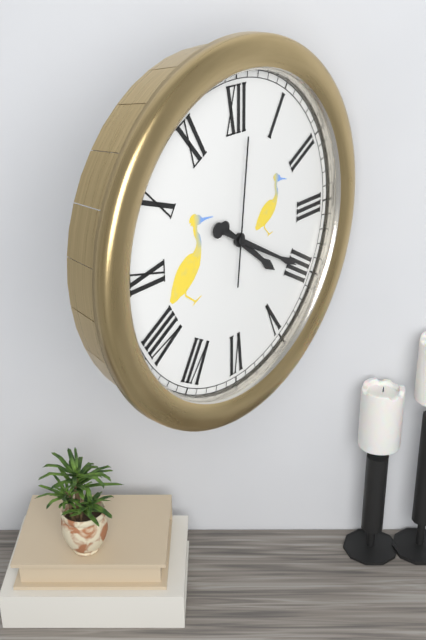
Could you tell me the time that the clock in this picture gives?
4:20:01
